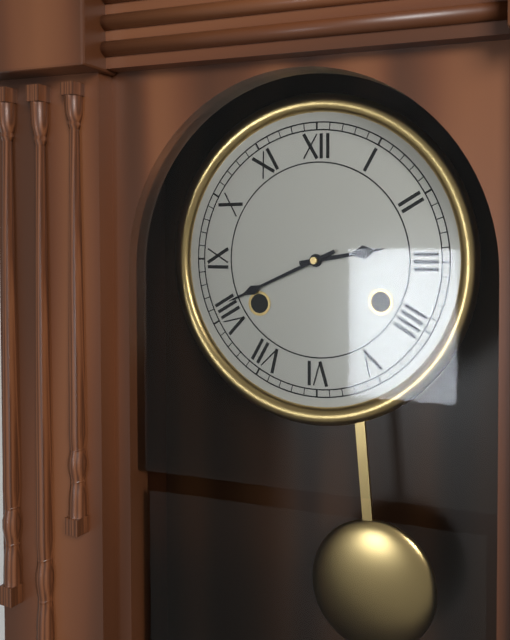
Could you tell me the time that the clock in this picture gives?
2:41
